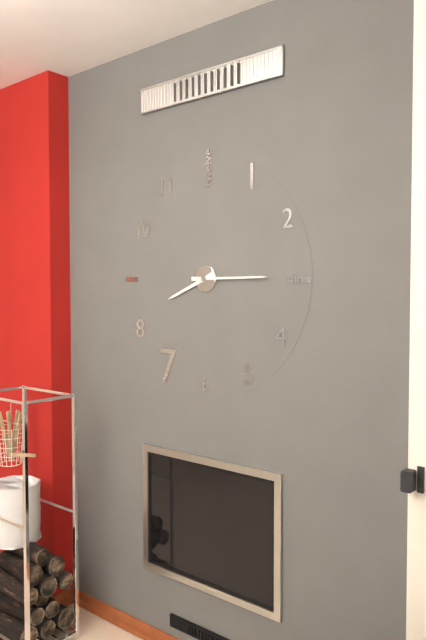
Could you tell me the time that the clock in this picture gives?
8:15
